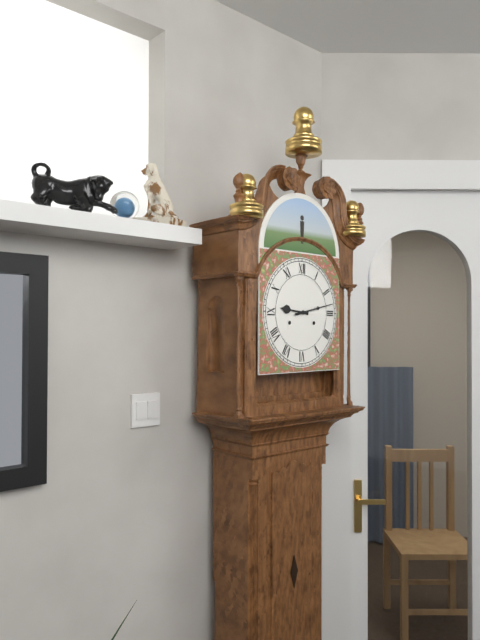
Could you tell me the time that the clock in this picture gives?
9:13
